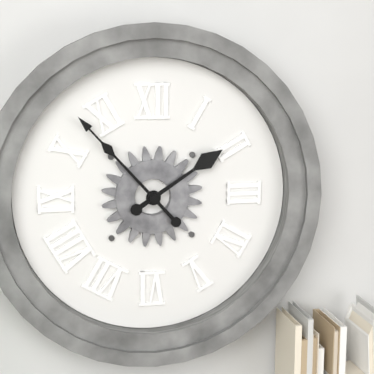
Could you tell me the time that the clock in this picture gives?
1:53
